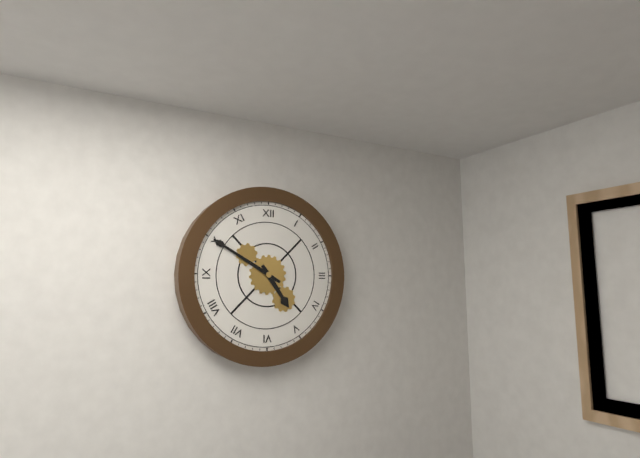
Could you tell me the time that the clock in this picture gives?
4:50
